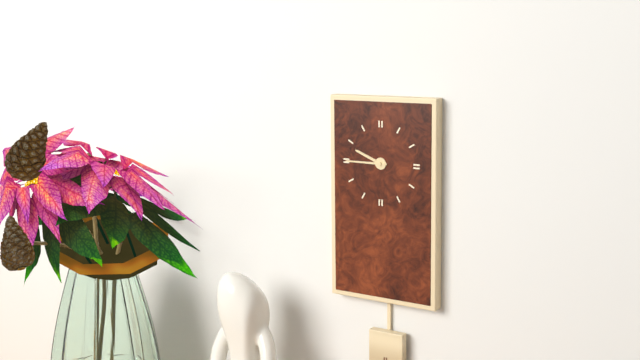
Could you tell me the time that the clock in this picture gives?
9:45
